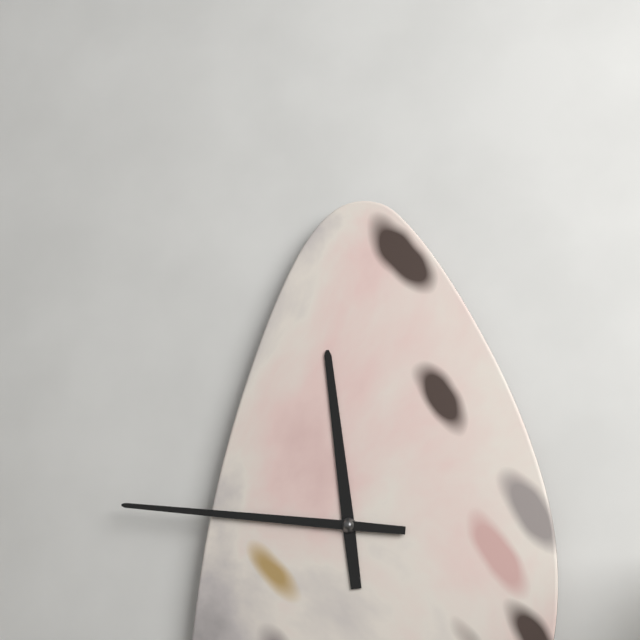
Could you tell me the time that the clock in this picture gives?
11:46
